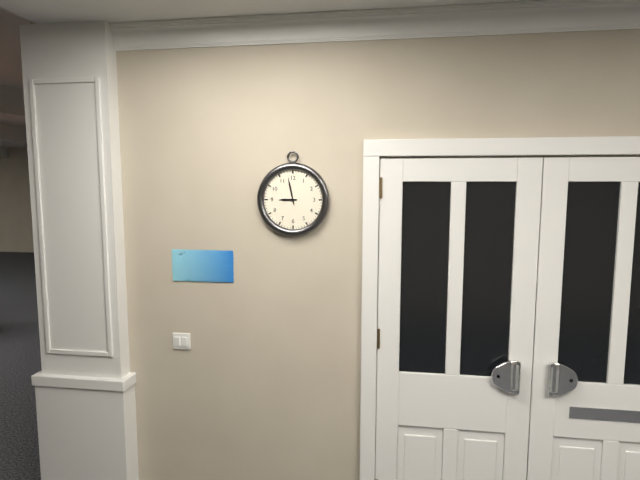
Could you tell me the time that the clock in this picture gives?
8:58
